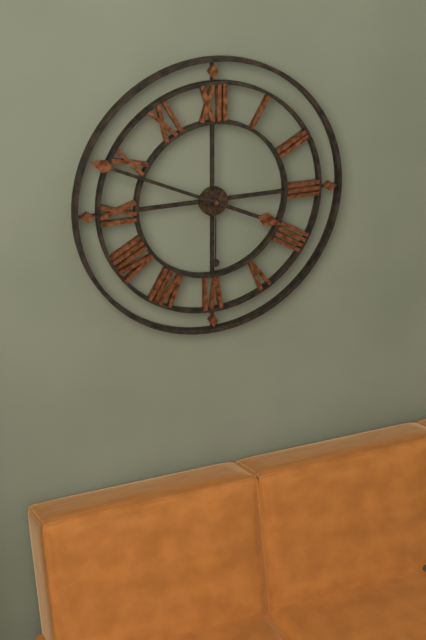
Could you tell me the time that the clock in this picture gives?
3:49:30
